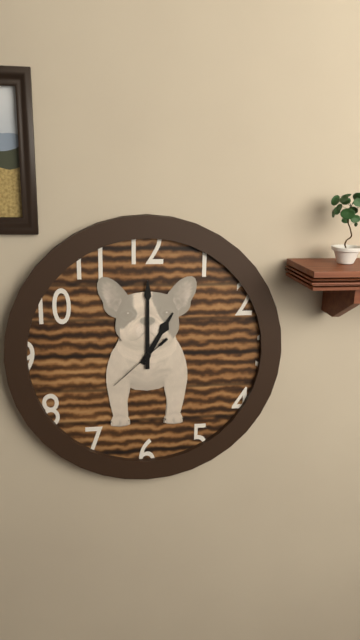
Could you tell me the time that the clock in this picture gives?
1:00:38
